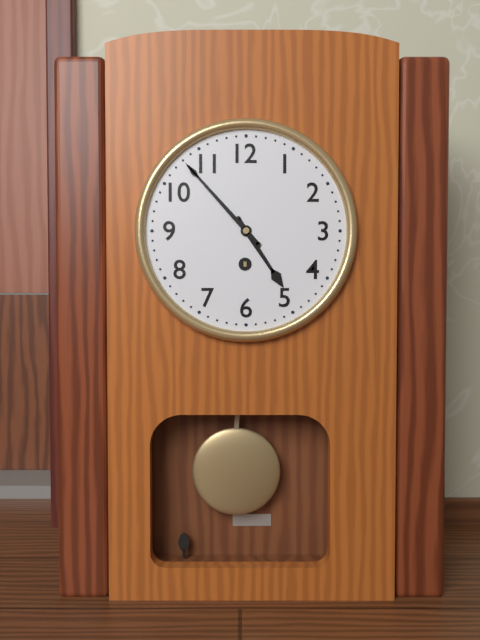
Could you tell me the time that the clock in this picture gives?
4:53
